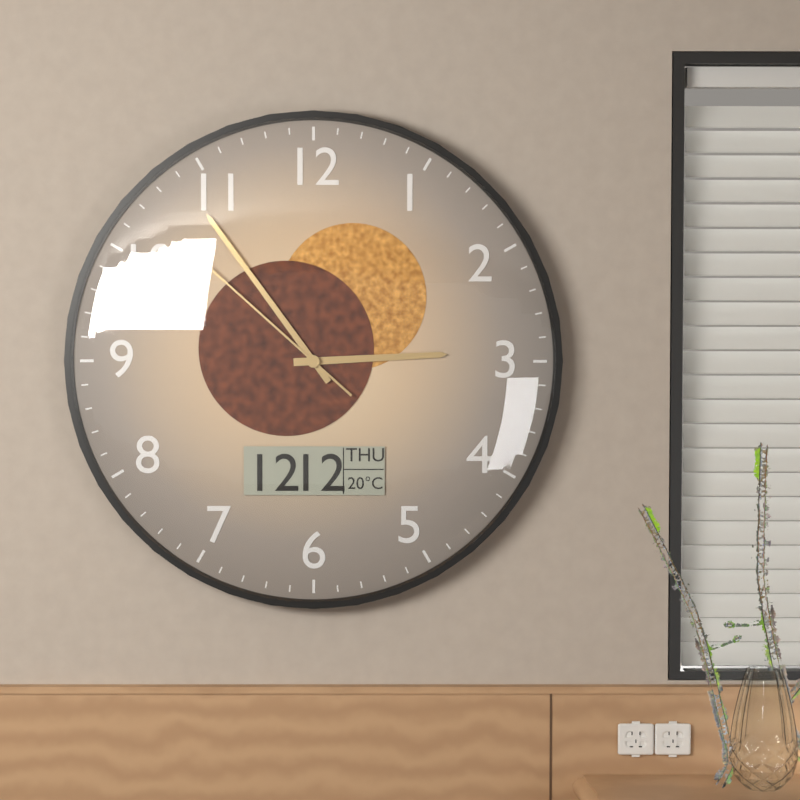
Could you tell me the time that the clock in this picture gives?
2:54:52
